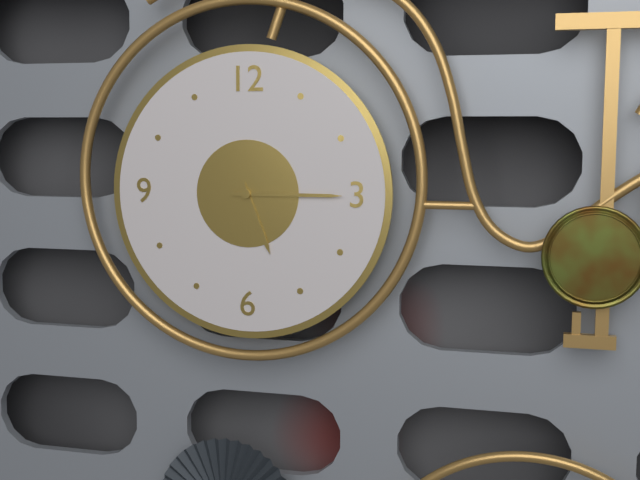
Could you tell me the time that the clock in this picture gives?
5:15
